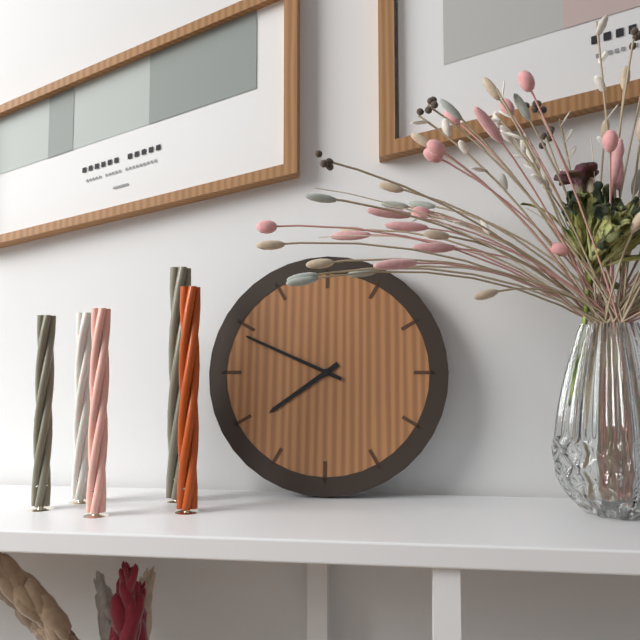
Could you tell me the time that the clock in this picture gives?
7:49
